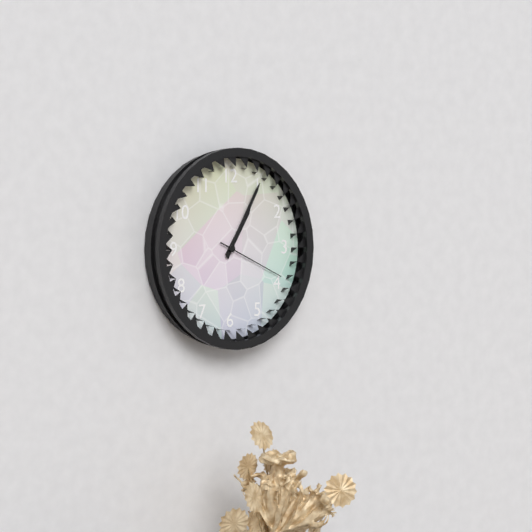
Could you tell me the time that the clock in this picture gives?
1:05:19
